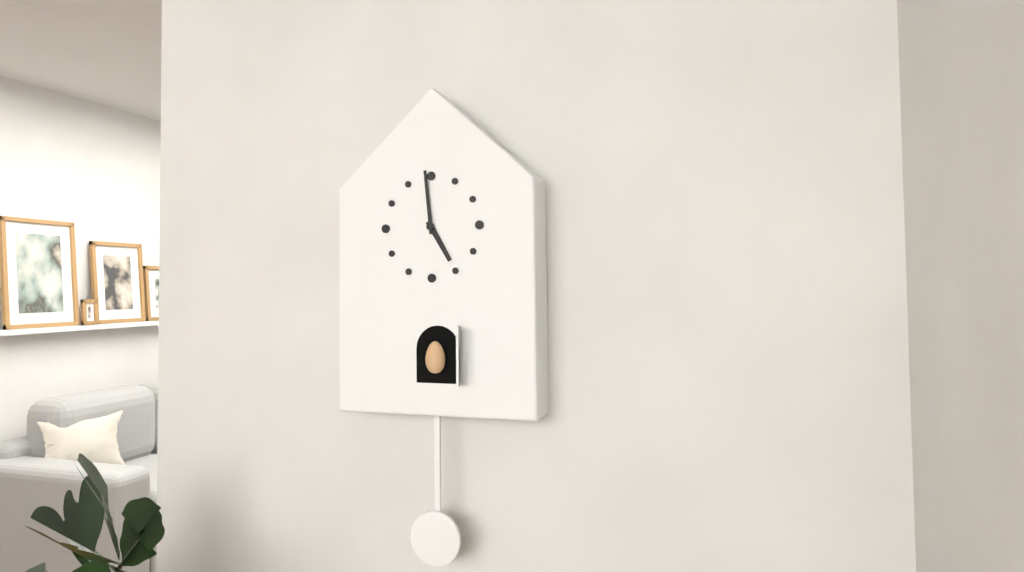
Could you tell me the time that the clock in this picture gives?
4:59
